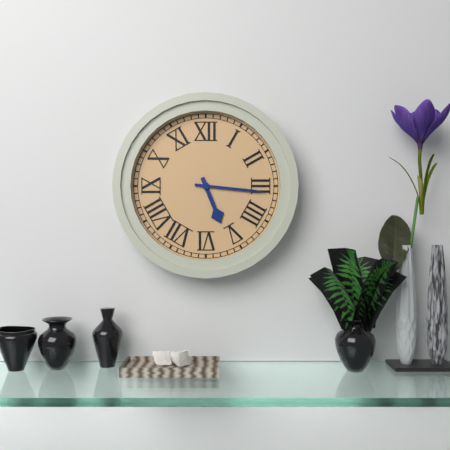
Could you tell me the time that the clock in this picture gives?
5:16
